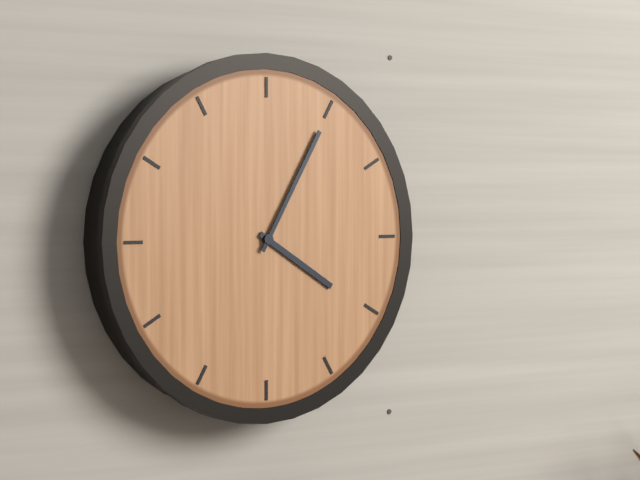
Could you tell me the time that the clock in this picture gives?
4:05
